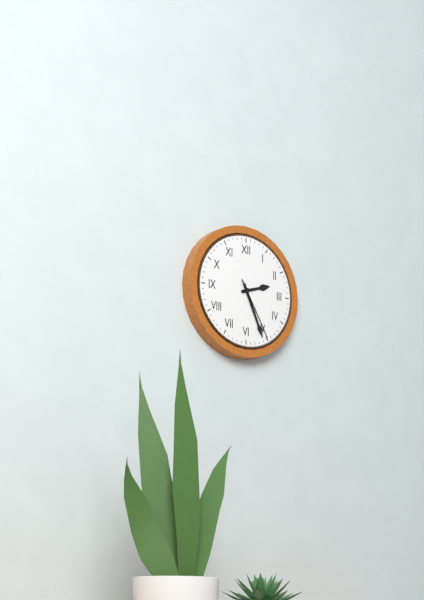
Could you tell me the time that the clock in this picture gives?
2:26:25
